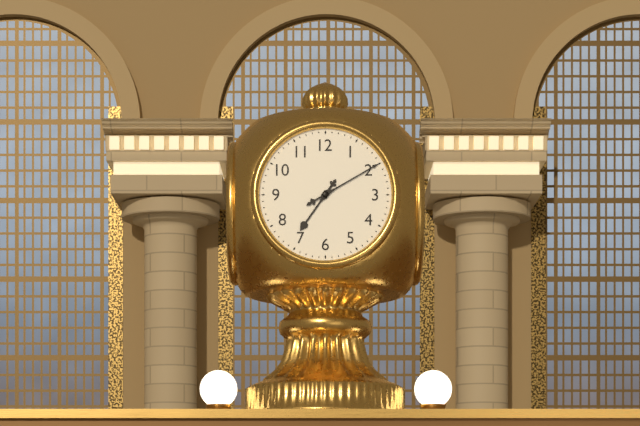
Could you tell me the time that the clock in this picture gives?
7:10
